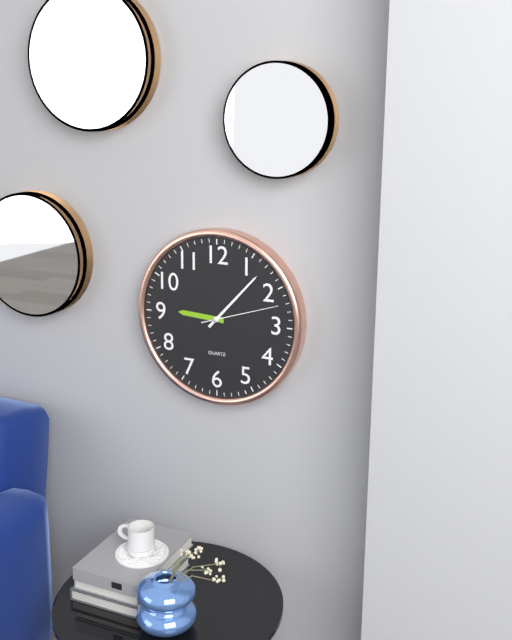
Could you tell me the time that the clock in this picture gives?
9:07:12
